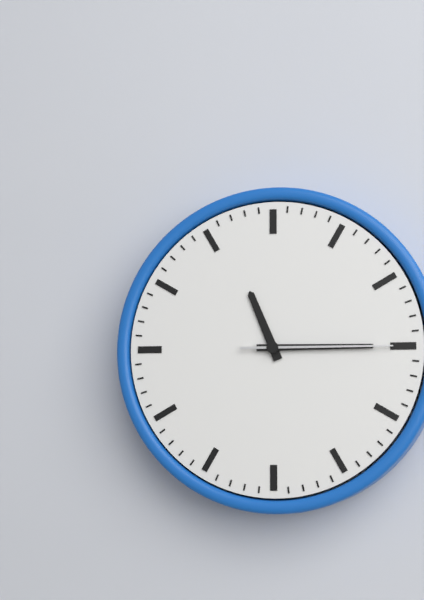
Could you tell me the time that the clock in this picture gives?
11:15:15
